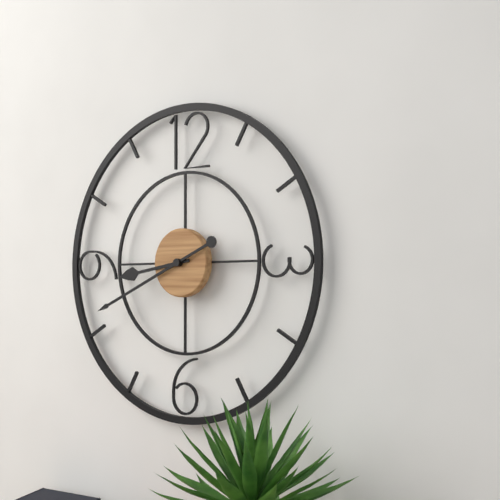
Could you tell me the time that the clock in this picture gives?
8:41
